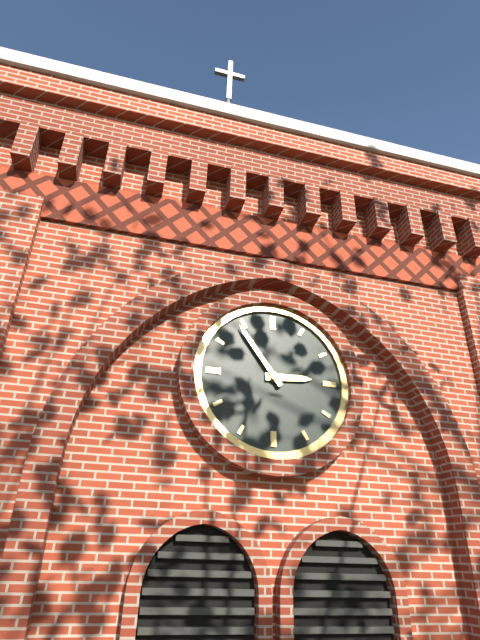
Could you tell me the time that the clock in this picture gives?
2:54
